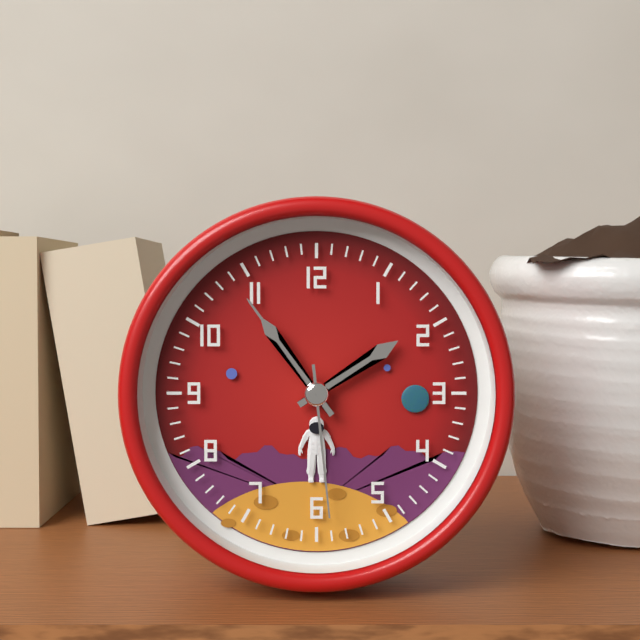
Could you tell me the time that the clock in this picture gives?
1:54:29
